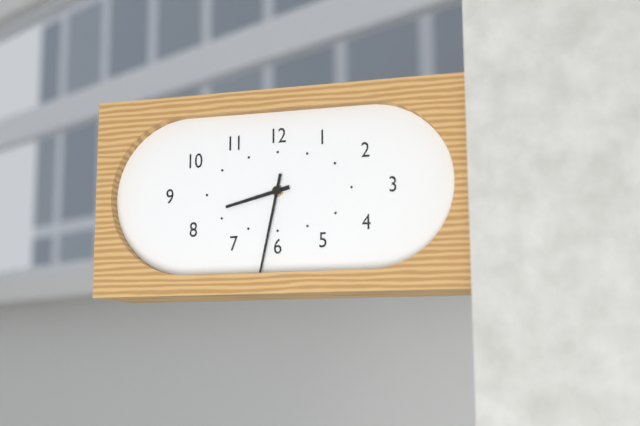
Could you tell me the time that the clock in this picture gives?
8:32
